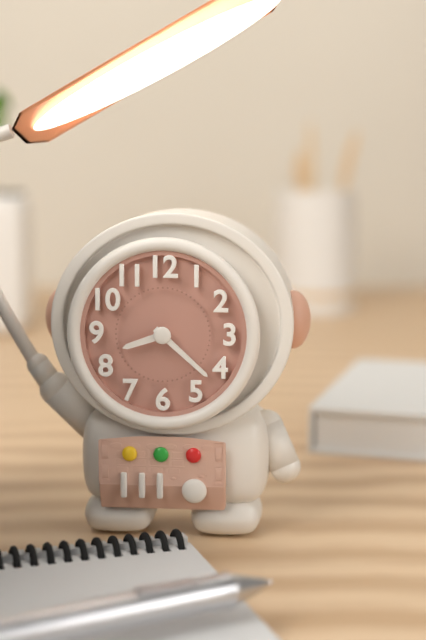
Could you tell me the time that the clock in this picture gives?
8:22
